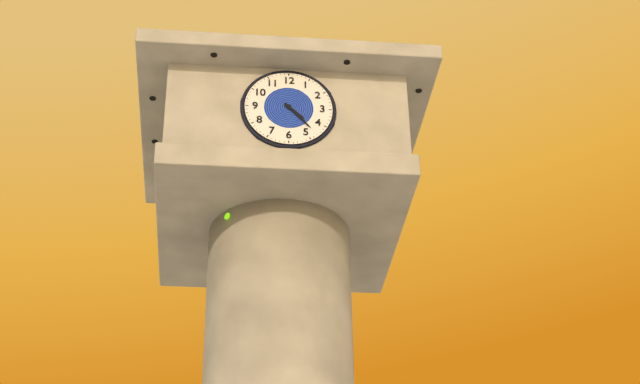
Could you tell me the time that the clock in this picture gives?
4:23
